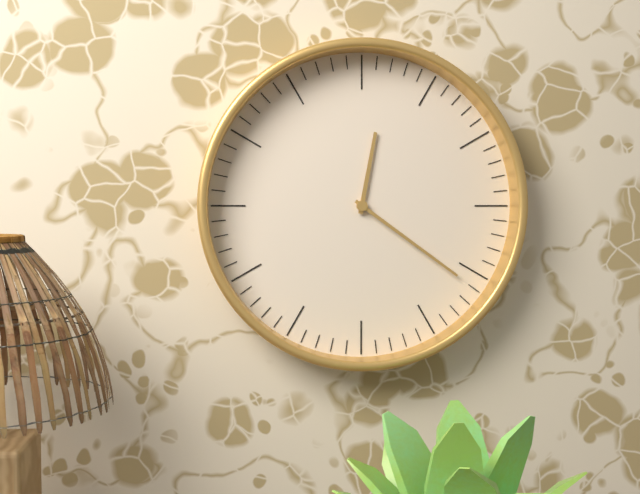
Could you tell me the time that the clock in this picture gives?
12:21
